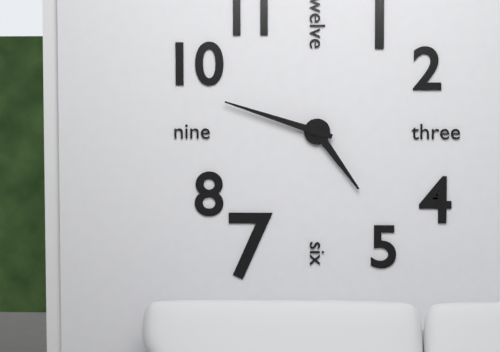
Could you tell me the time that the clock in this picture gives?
4:48
